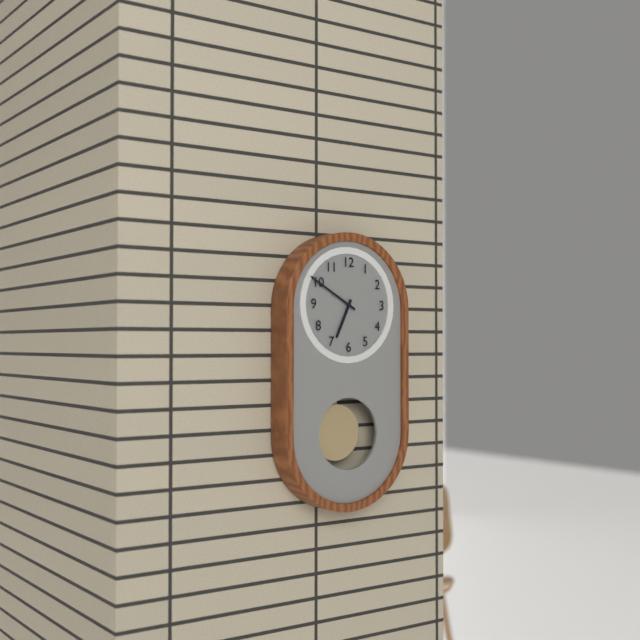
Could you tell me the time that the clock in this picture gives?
6:50
